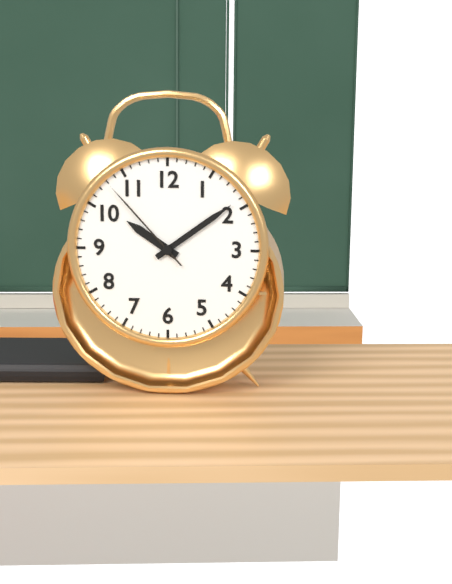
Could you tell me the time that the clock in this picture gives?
10:09:53
